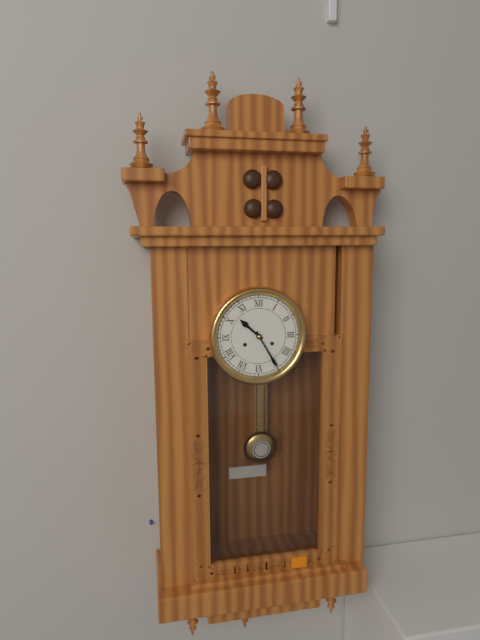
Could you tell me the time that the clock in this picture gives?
10:25
